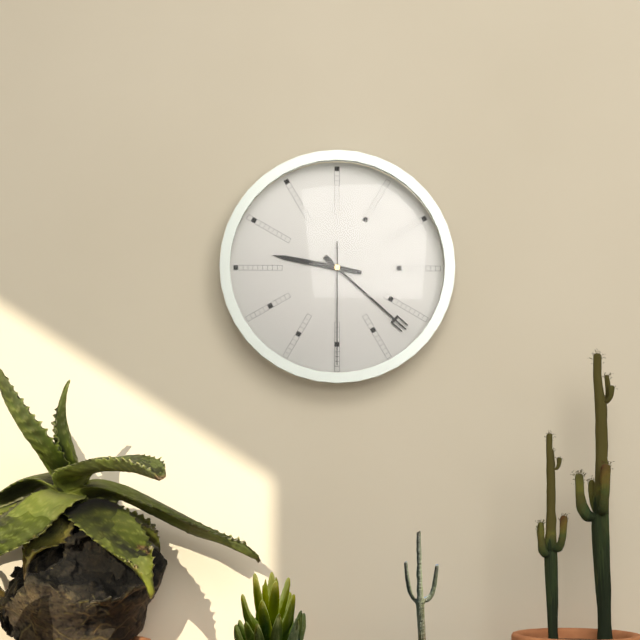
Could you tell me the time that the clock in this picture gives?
9:22:30
